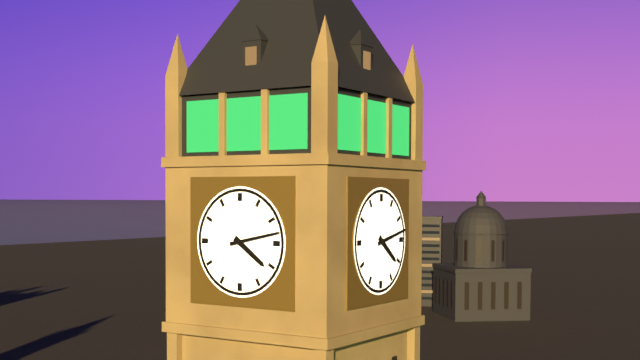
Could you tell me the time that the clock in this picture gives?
4:13
